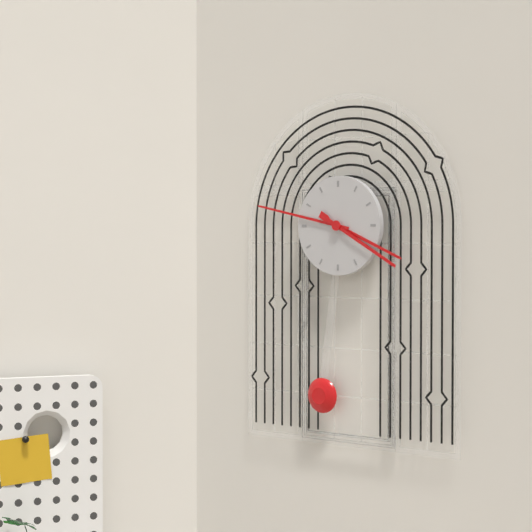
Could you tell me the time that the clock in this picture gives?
3:47:20
